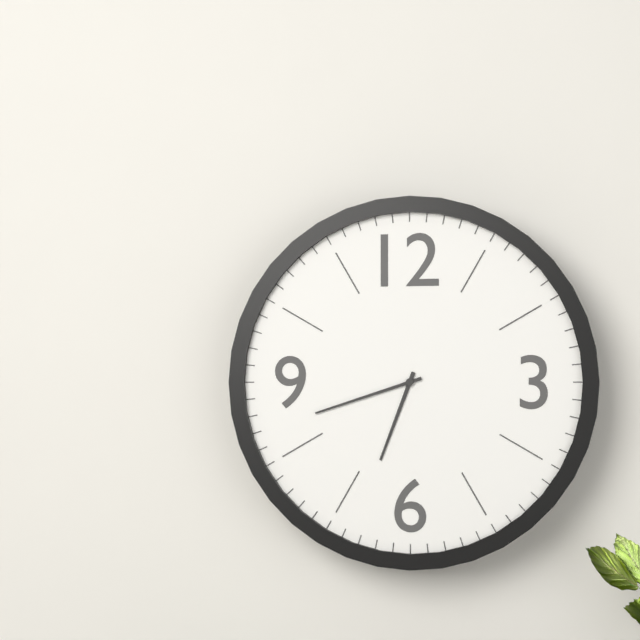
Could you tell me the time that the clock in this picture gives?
6:42
